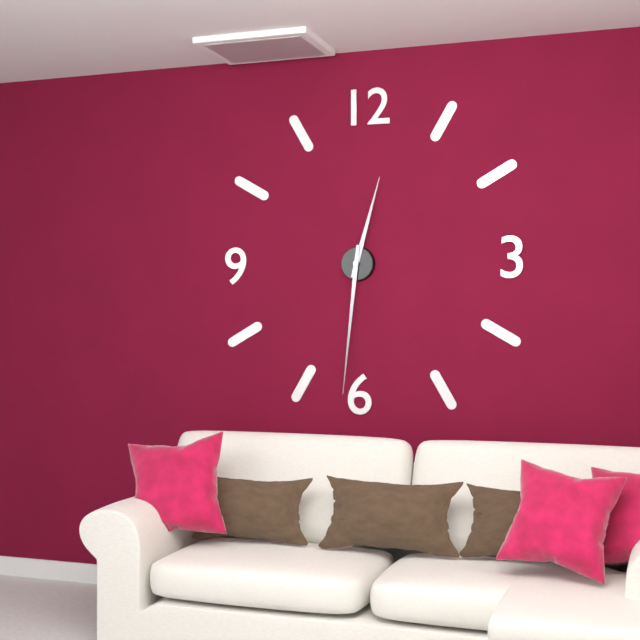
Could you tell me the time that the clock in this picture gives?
12:31
